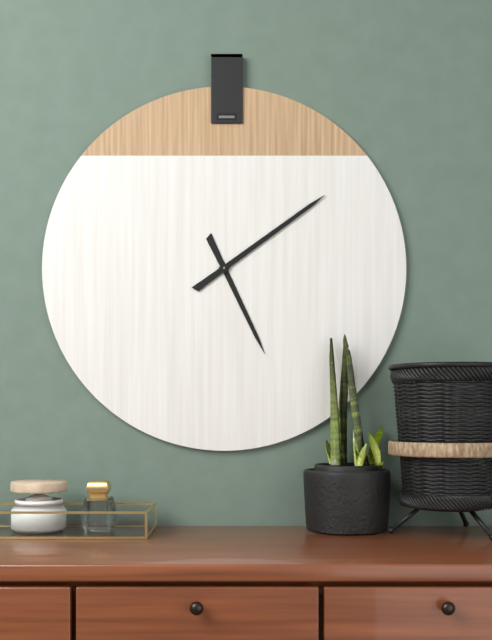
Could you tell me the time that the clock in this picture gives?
5:09
